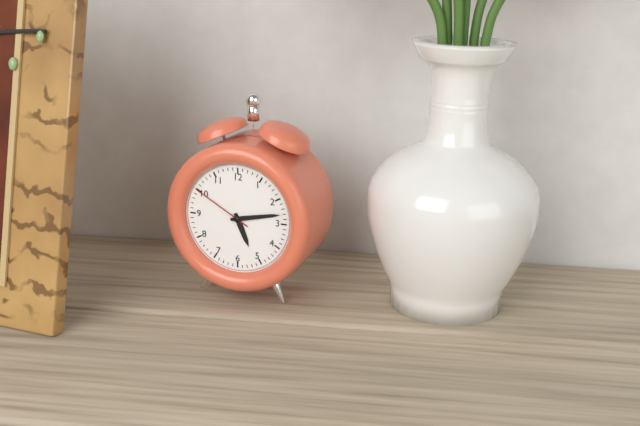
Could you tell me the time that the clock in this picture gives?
5:13:50
